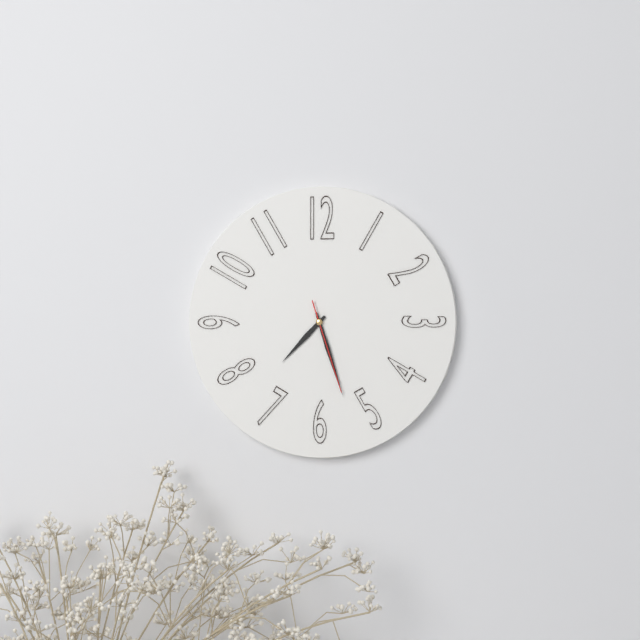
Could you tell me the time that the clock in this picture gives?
7:27:27
